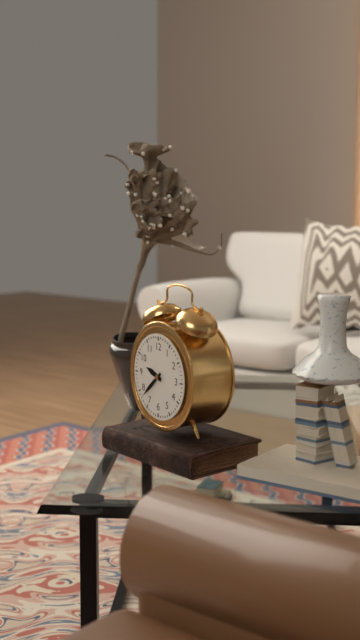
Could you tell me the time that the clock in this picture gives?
9:38
